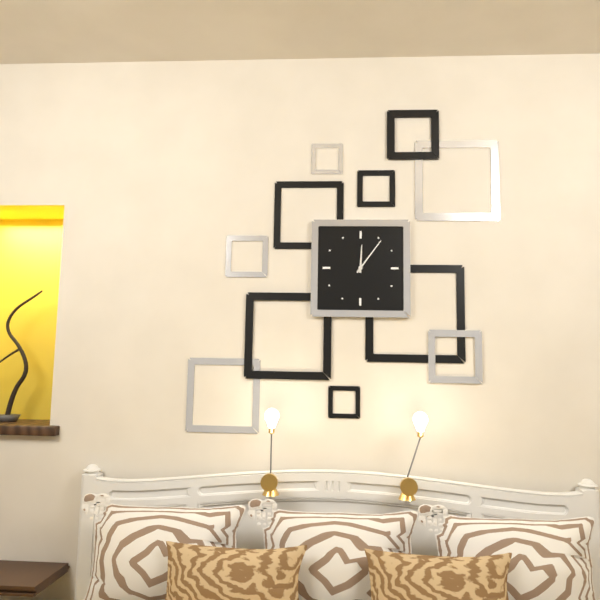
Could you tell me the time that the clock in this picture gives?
12:06
